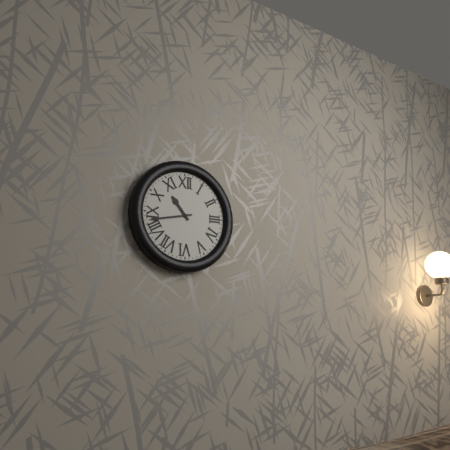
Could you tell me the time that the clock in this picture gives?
10:43
